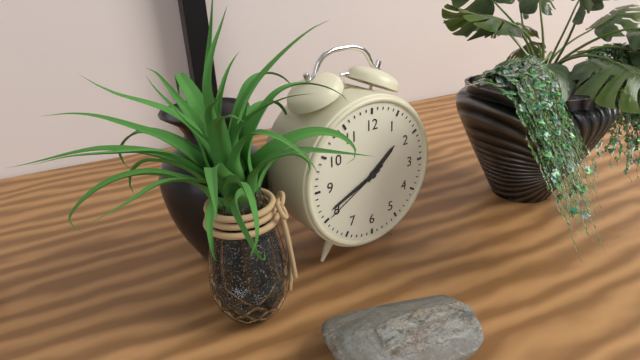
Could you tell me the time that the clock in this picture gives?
1:41:40
